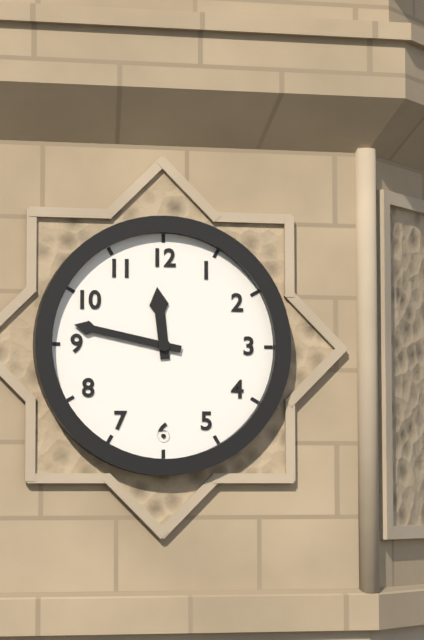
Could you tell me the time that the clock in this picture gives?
11:47
